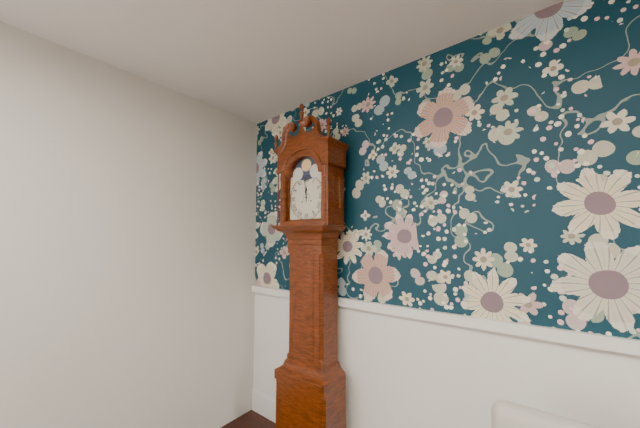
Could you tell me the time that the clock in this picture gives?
11:59
